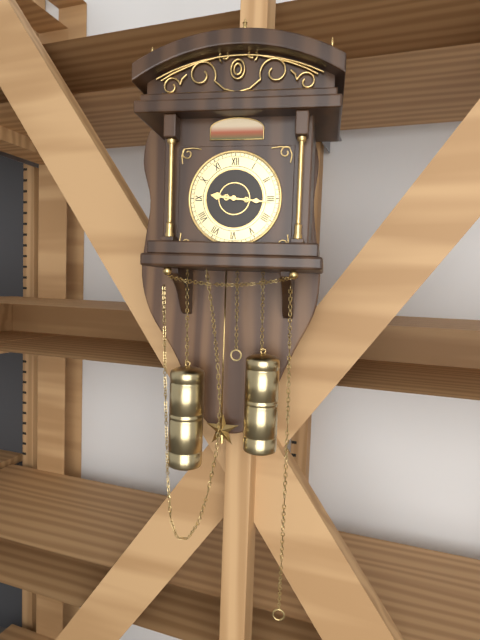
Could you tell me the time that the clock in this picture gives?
9:16
